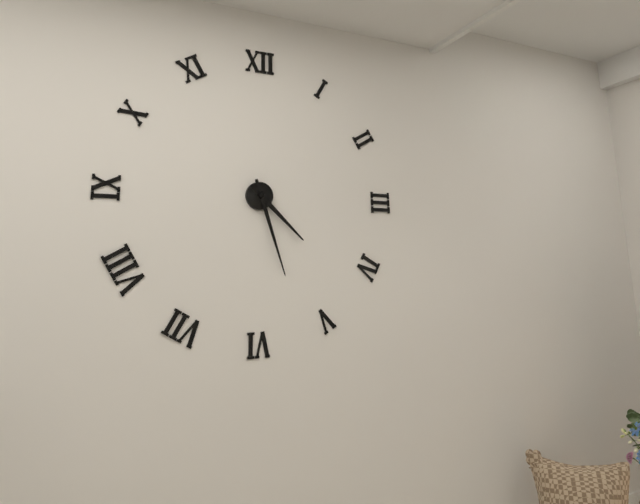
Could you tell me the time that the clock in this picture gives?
4:27
